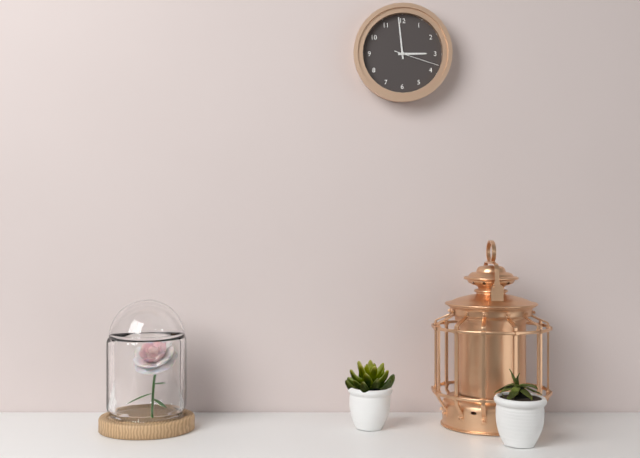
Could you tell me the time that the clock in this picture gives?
2:59
